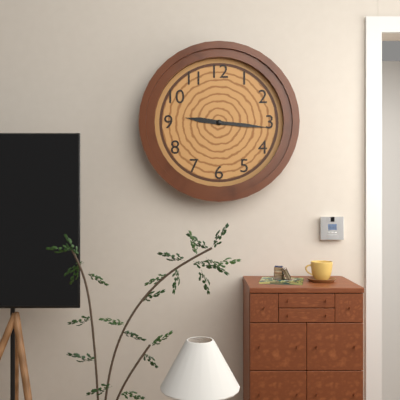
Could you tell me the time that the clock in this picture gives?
9:16
